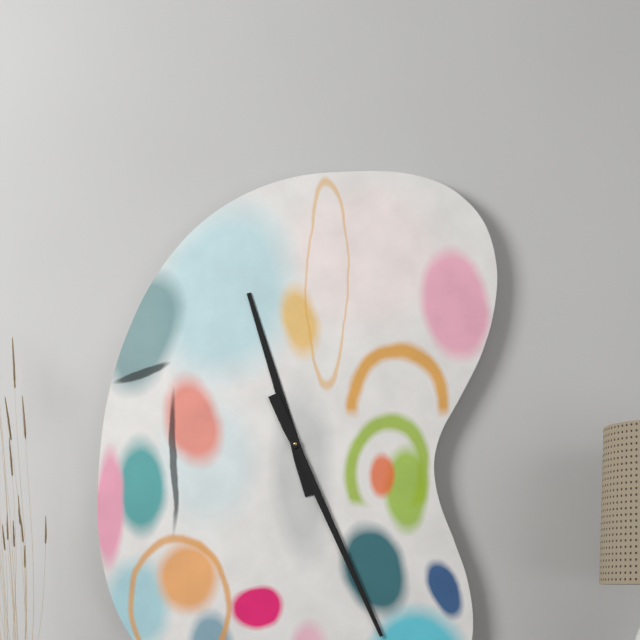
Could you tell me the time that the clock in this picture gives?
11:26
